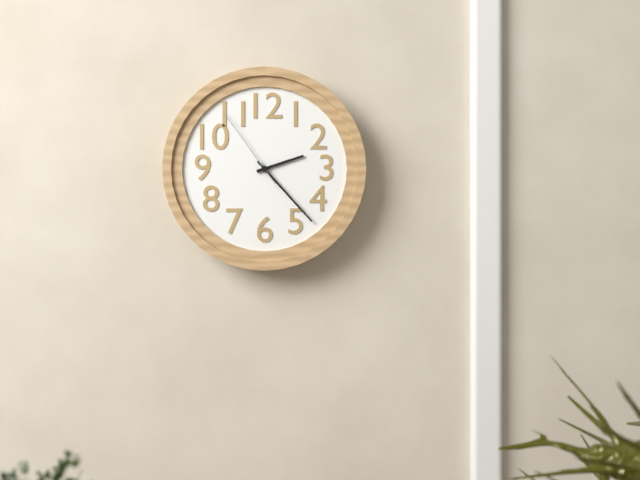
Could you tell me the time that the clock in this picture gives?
2:23:54
